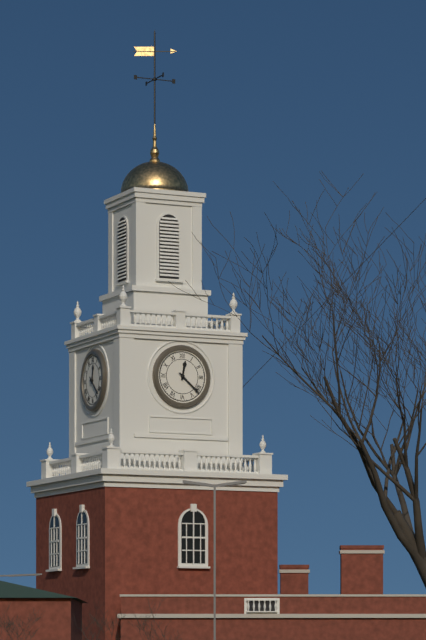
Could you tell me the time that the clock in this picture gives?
12:22
